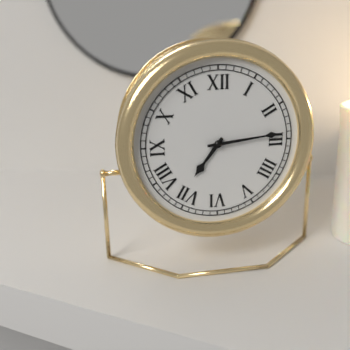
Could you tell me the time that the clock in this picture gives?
7:14
